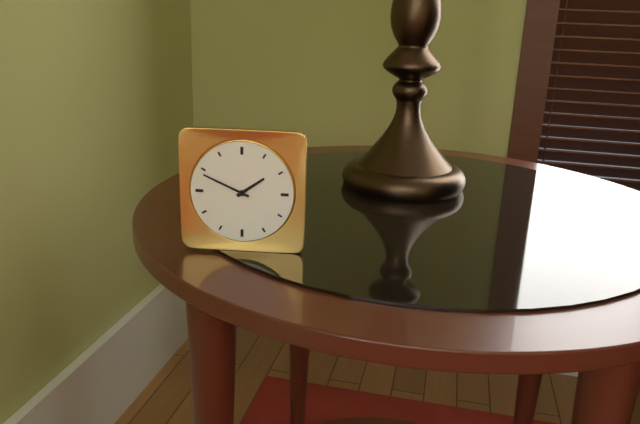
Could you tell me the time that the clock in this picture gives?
1:49
